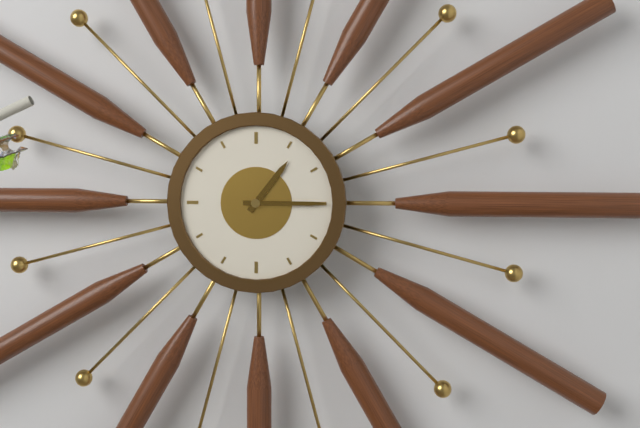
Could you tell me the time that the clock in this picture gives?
1:15
